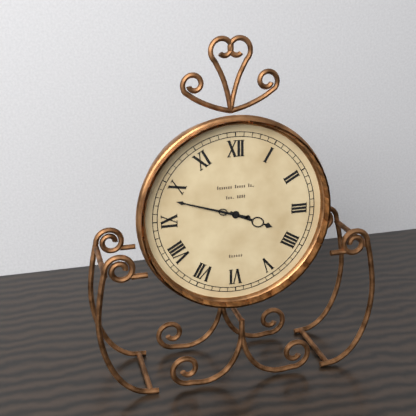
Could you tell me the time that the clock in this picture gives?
3:48
